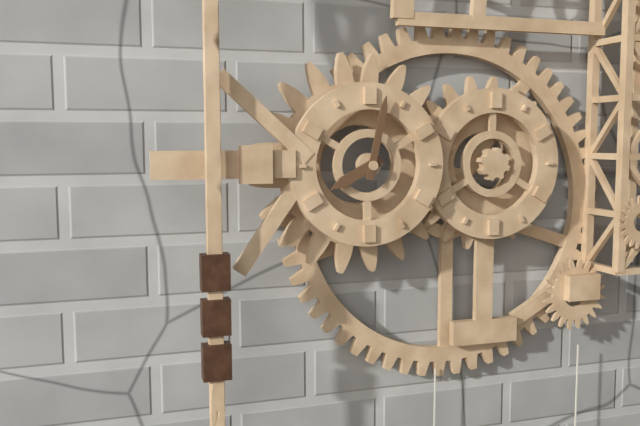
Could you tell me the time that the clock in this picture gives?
8:02
